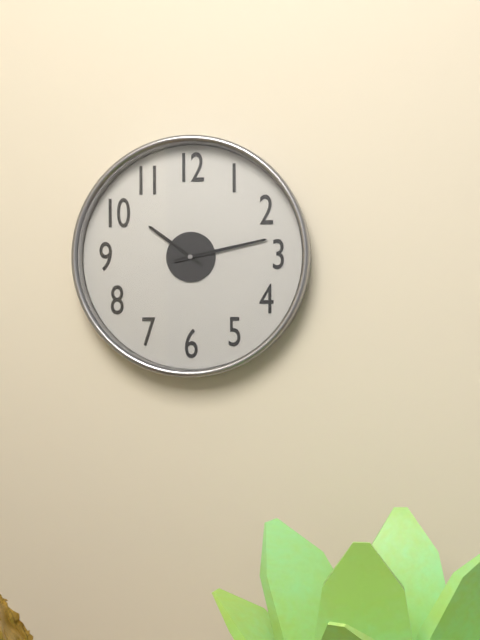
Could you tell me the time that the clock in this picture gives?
10:13
